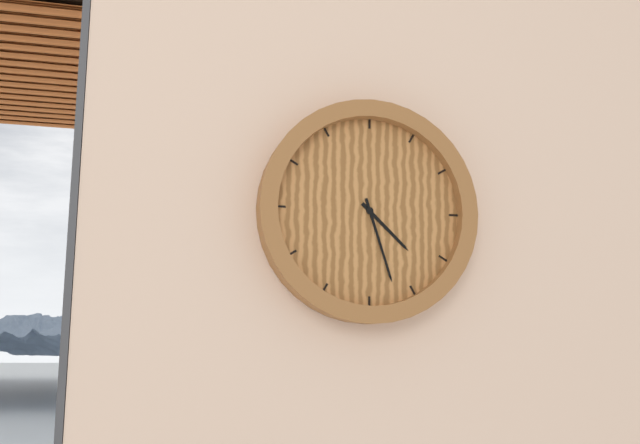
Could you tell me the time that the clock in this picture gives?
4:27
